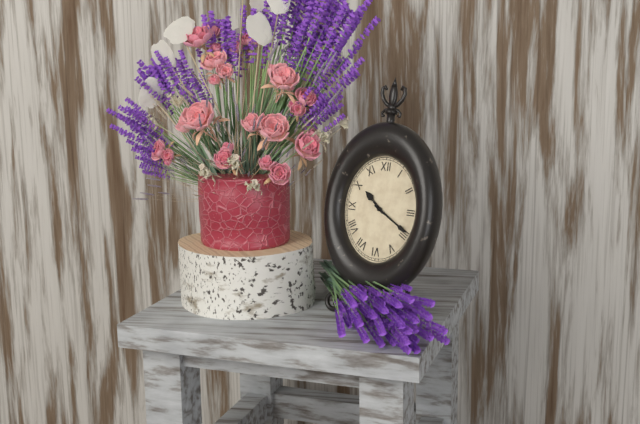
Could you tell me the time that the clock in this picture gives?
10:20
